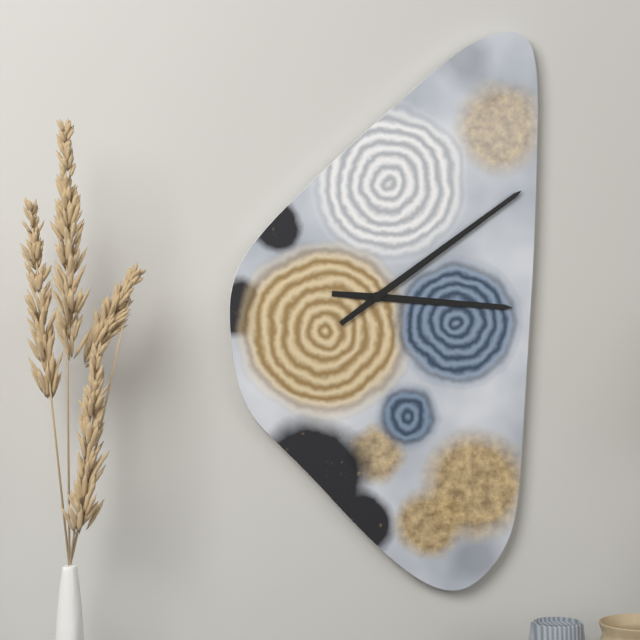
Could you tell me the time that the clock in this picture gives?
3:09
